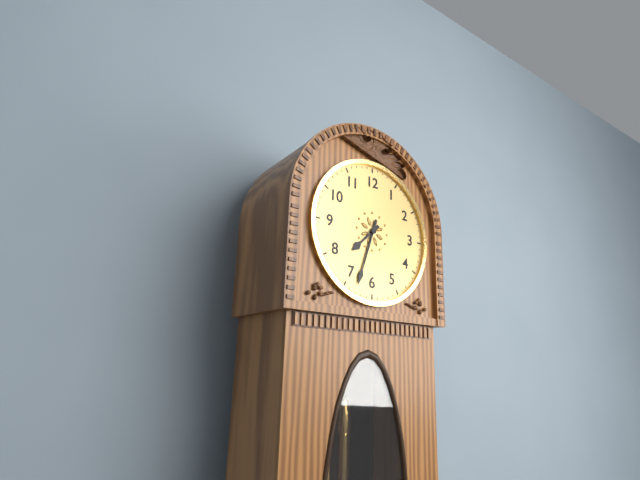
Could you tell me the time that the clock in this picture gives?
7:33
